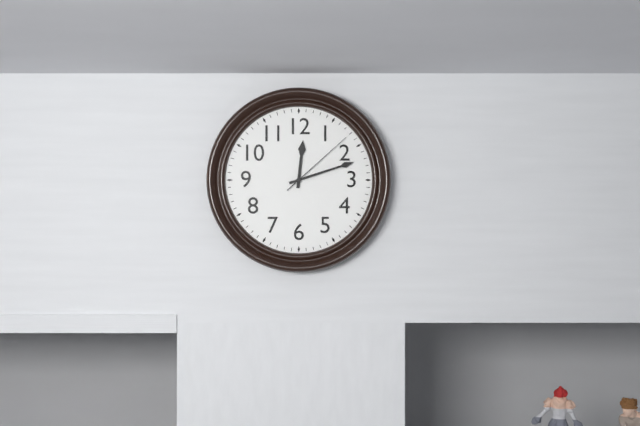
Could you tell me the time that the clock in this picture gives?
12:12:08
